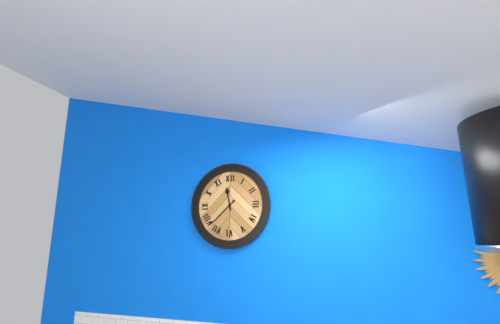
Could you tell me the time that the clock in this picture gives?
11:38
